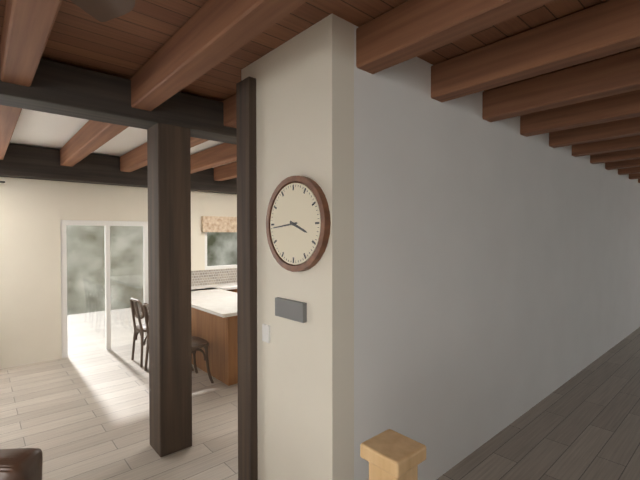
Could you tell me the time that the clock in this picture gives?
3:44
